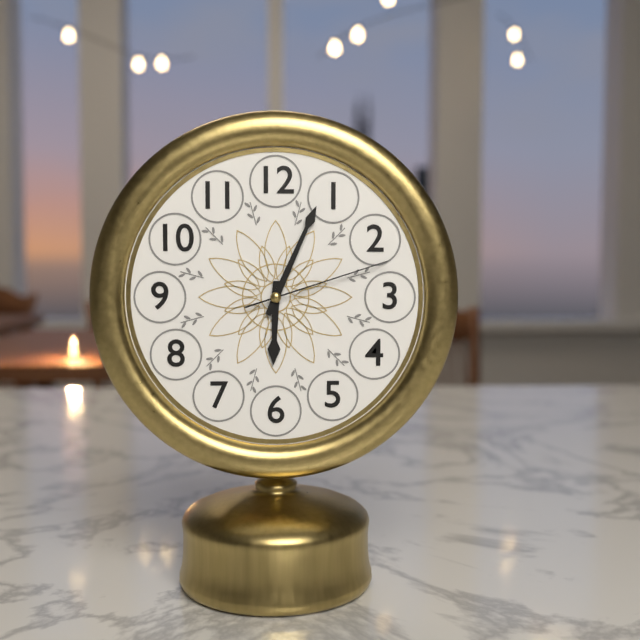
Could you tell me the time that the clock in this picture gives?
6:04:12
